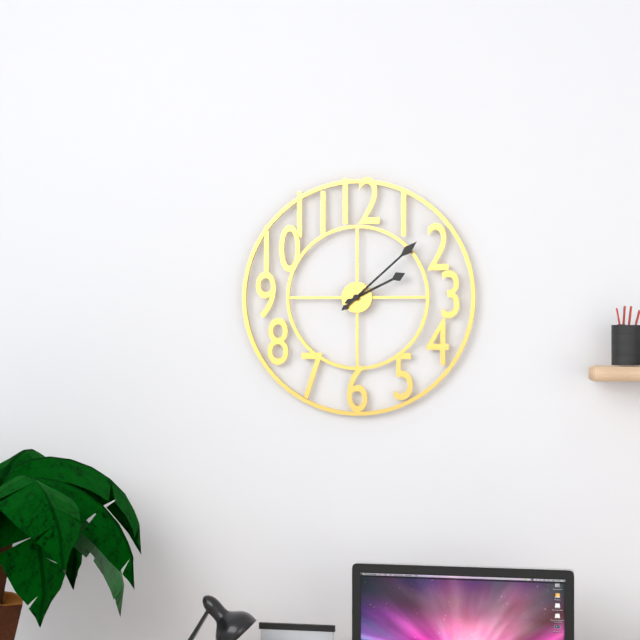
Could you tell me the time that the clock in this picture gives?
2:08
